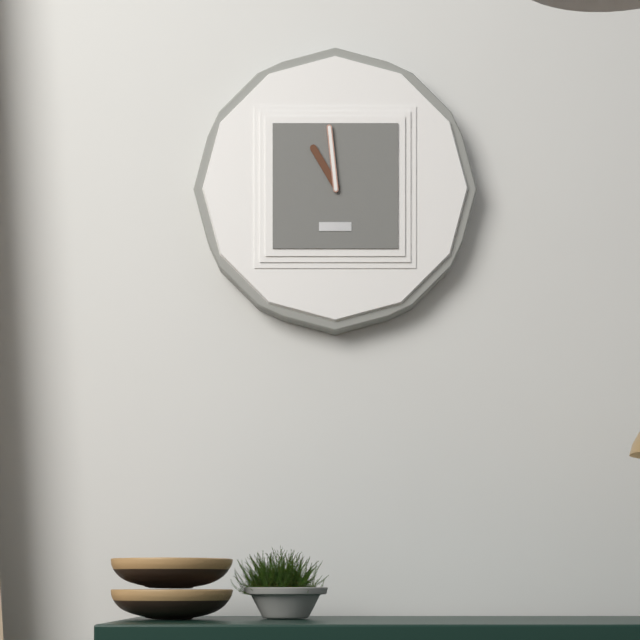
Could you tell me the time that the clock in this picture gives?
10:59
